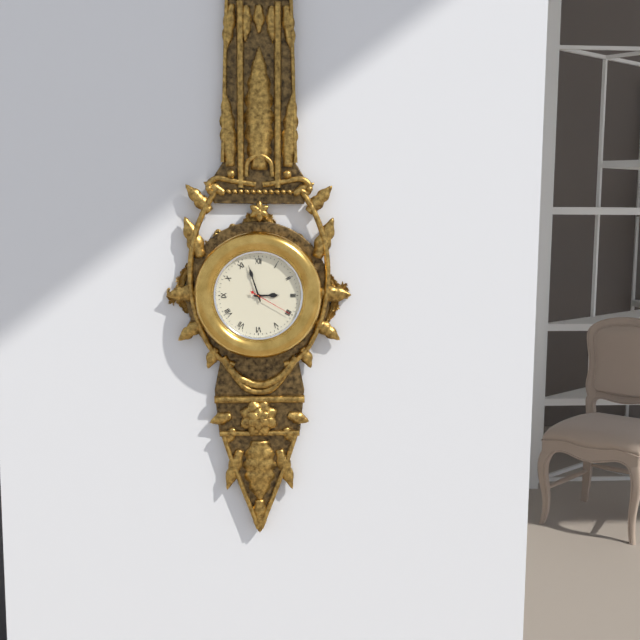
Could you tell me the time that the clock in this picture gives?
2:57
